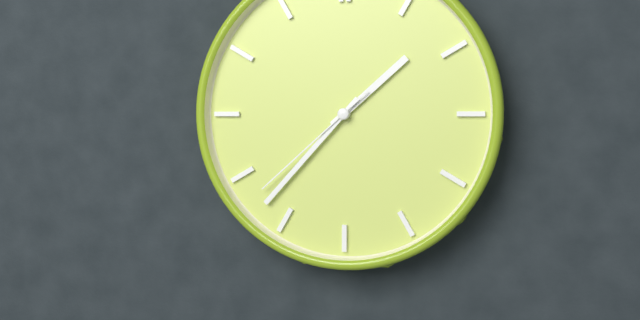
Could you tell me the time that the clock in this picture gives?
1:37:38
